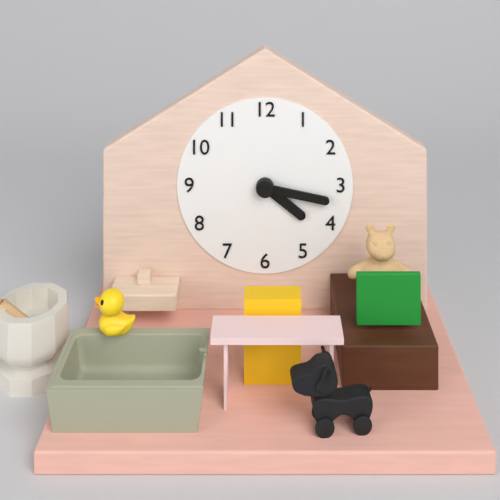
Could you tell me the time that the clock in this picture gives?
4:17
